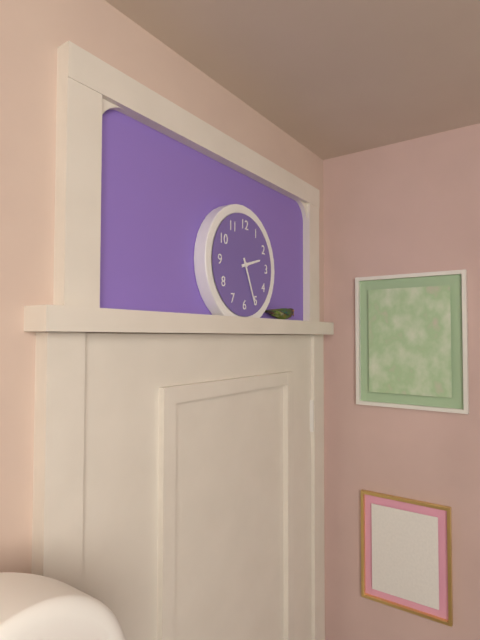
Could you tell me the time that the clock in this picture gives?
2:26
